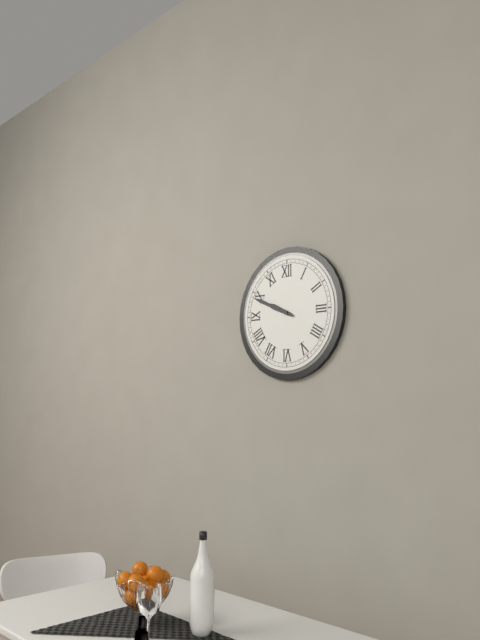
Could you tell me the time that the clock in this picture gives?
9:49
